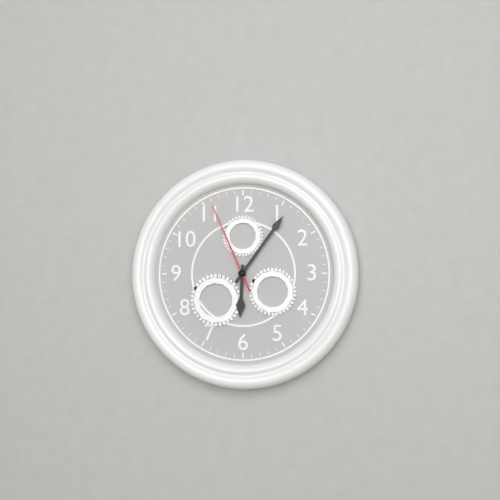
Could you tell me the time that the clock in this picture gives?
6:06:56
